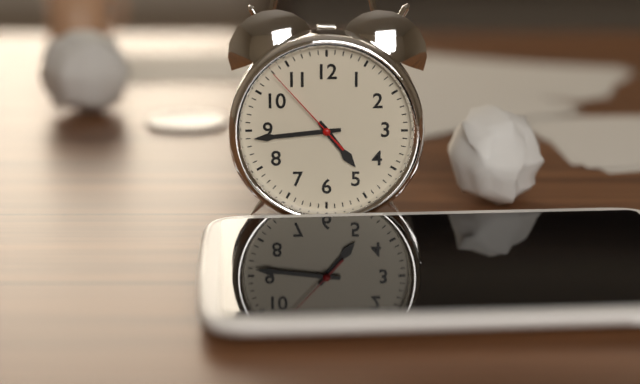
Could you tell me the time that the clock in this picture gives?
4:44:53
